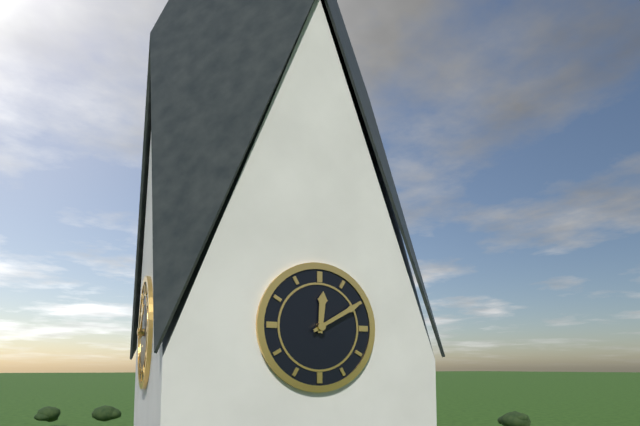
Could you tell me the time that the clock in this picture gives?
12:10
